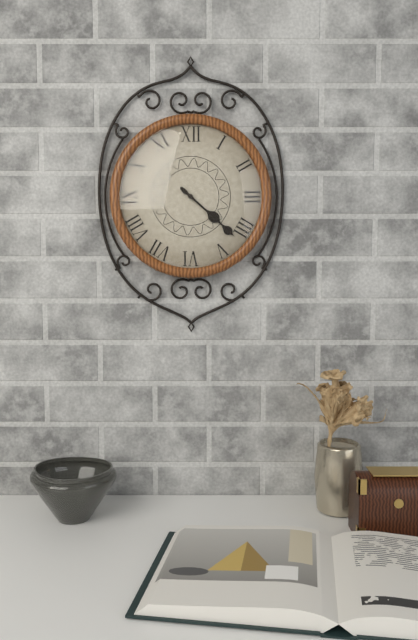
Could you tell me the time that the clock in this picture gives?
4:22
